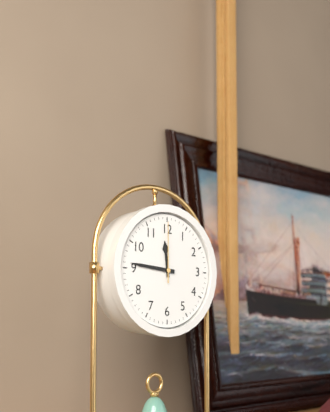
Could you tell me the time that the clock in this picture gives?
11:46:00
